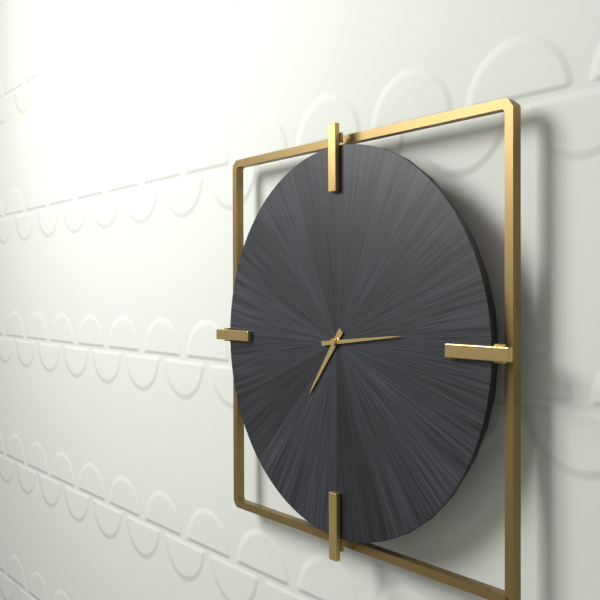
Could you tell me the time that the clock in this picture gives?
7:14
